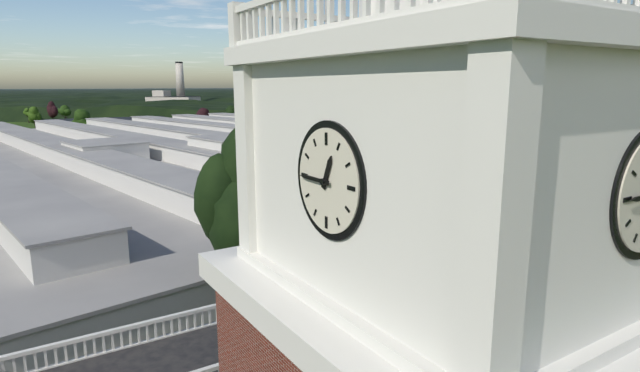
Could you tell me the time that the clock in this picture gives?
12:45
